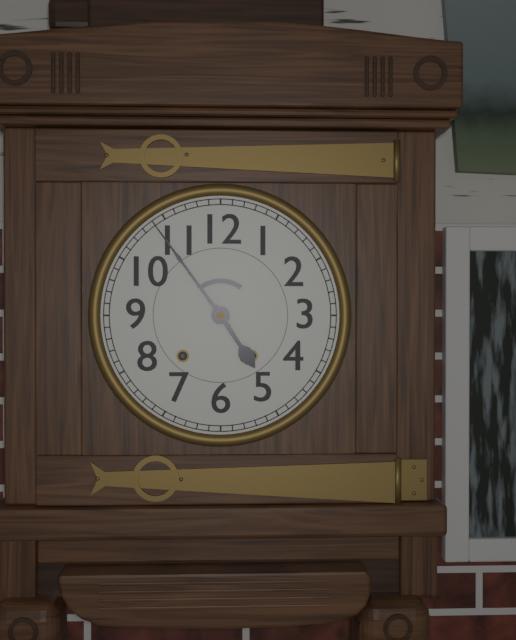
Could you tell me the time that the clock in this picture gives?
4:54
